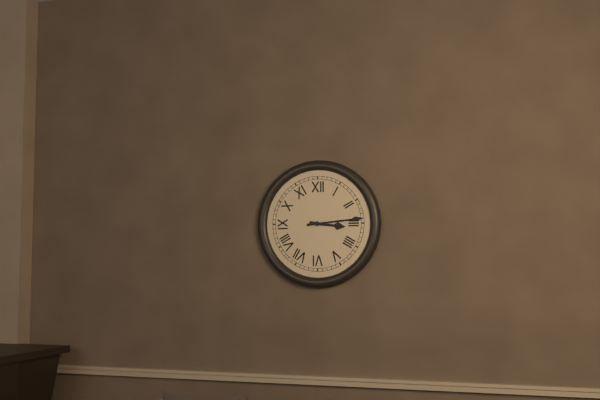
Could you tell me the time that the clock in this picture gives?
3:14
